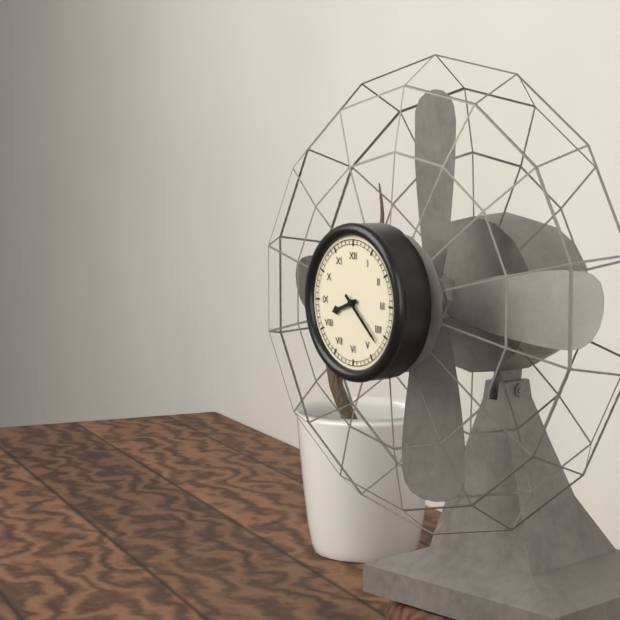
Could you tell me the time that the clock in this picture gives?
8:22
